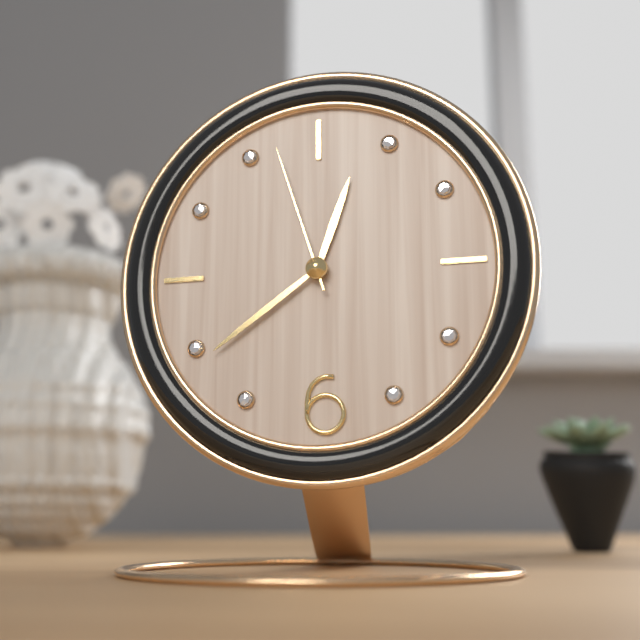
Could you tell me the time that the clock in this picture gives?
12:39:57
